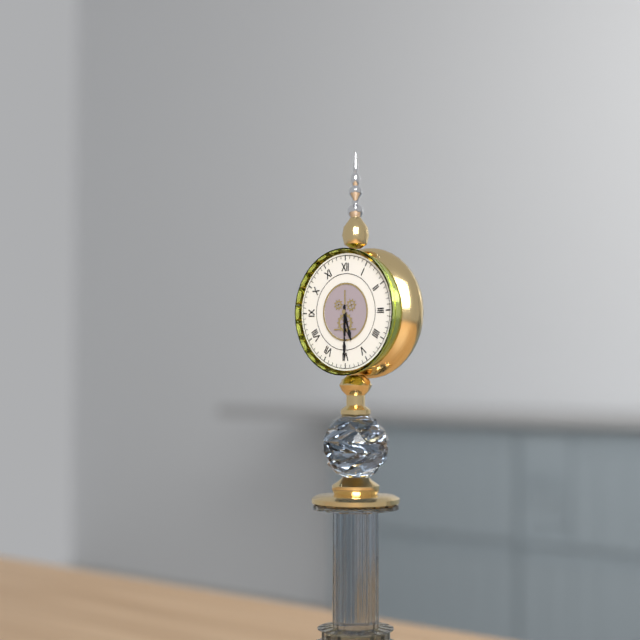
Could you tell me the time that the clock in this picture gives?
5:30
